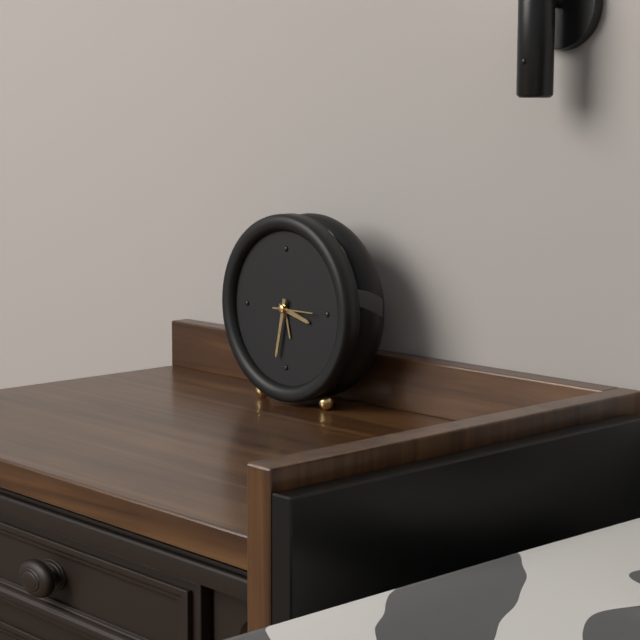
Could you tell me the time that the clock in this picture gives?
3:32
